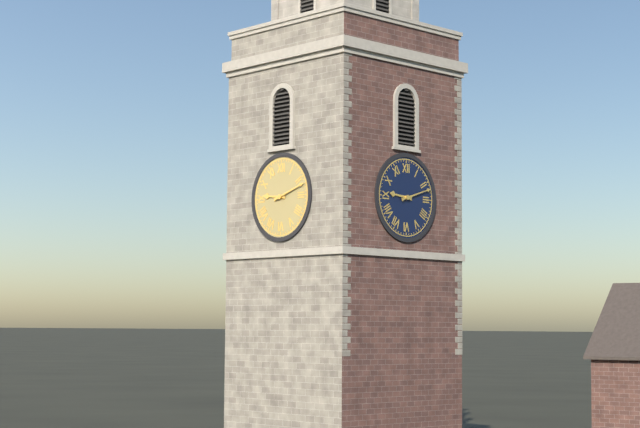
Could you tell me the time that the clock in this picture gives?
9:12
